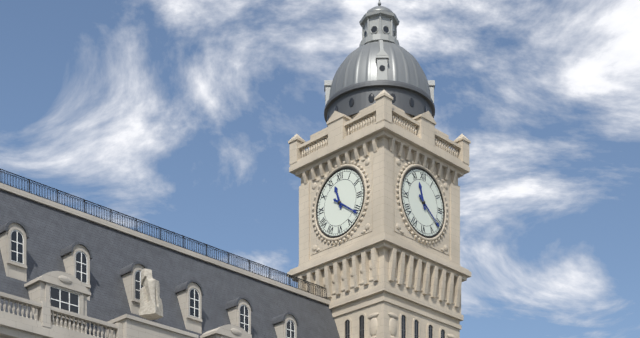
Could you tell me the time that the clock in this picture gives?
11:21
